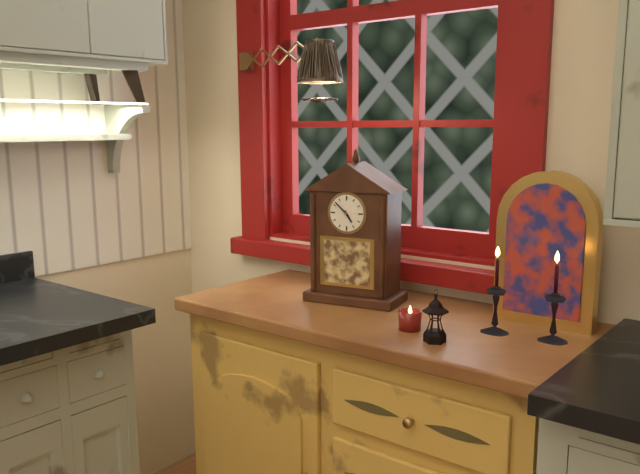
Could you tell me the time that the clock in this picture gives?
4:52
